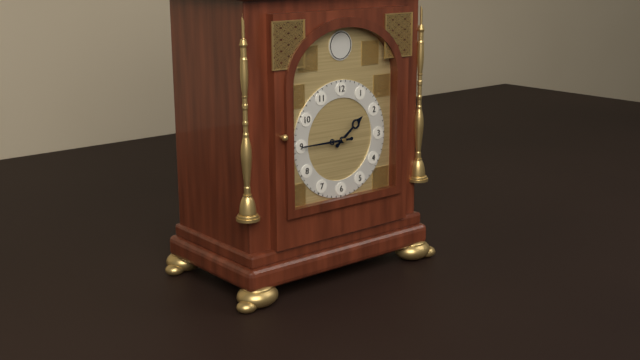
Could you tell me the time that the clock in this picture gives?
1:45
